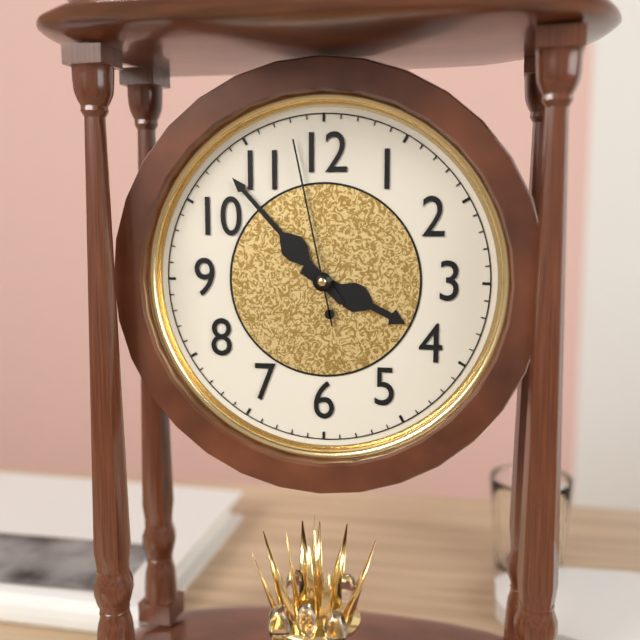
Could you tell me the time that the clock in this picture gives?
3:53:58
